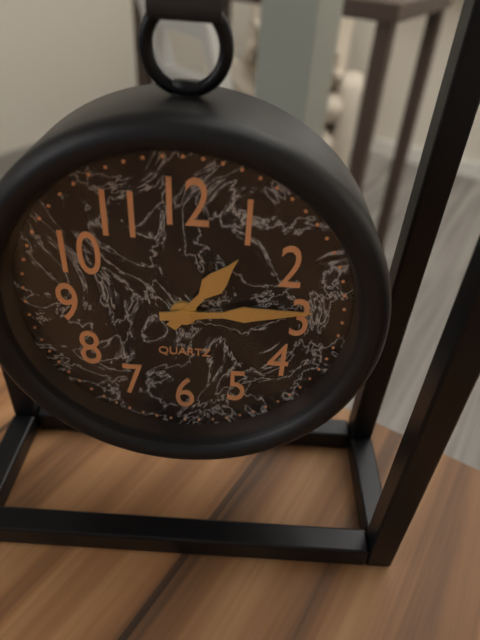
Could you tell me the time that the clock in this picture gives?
1:14
